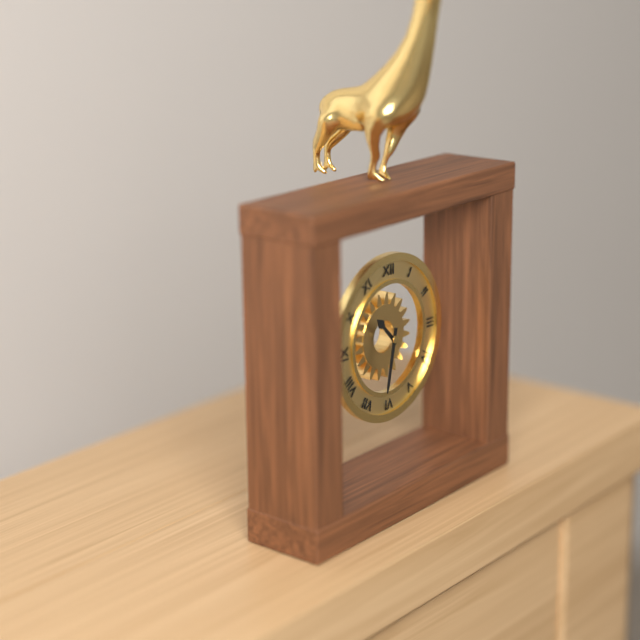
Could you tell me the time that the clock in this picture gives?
10:32
